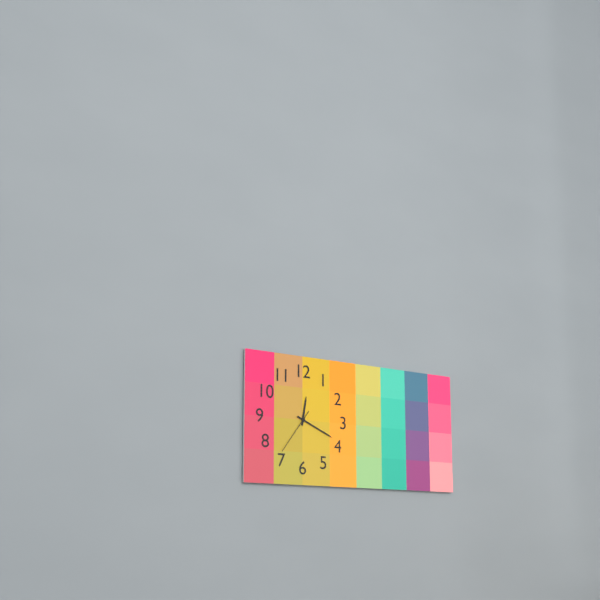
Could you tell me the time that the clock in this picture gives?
12:19
